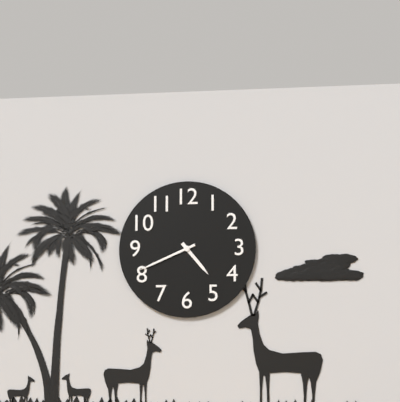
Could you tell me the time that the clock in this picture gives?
4:41
